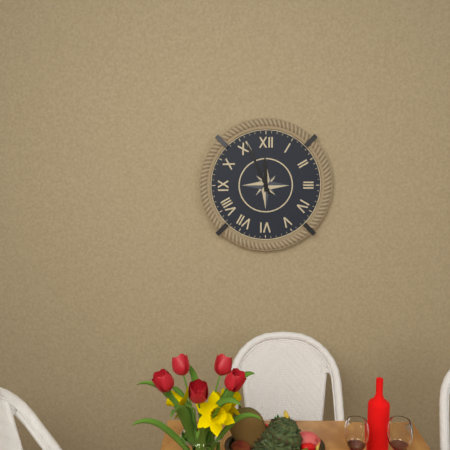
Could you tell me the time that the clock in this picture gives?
11:56
